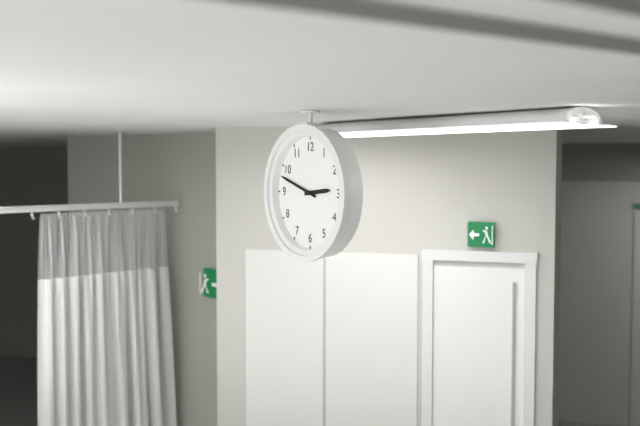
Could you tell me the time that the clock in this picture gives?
2:48
